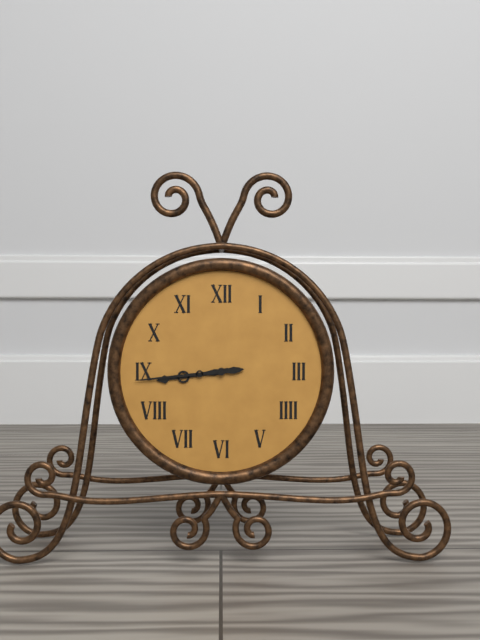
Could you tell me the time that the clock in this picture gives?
8:44
